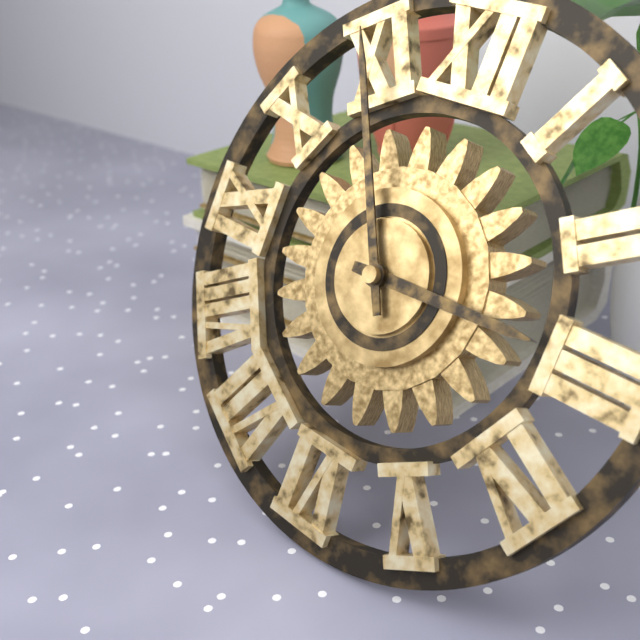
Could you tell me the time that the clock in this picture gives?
2:55
